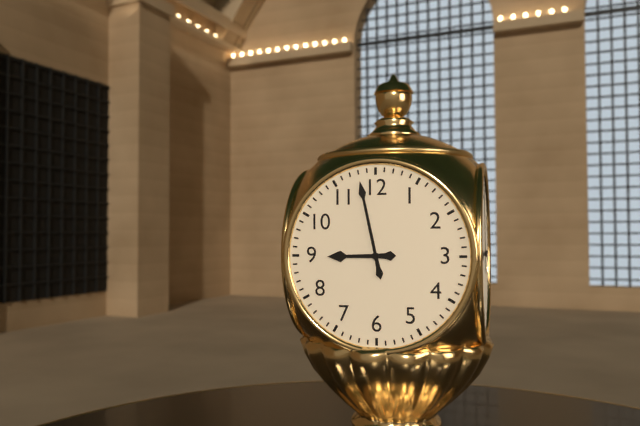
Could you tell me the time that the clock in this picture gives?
8:58
